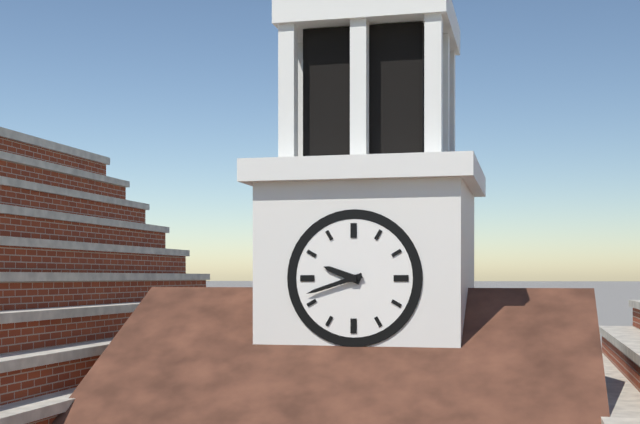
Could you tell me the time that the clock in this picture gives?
9:42
